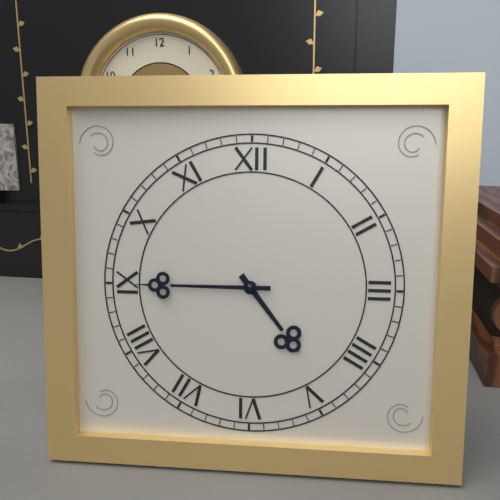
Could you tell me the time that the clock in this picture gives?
4:45
